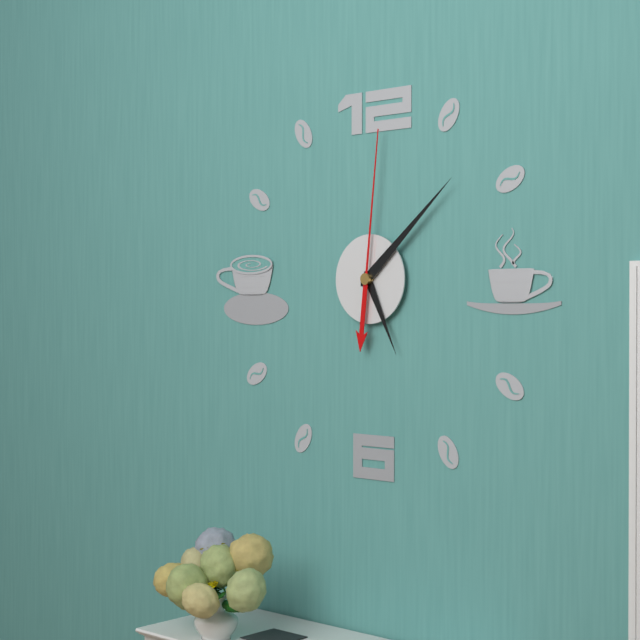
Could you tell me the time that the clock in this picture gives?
5:08:01
